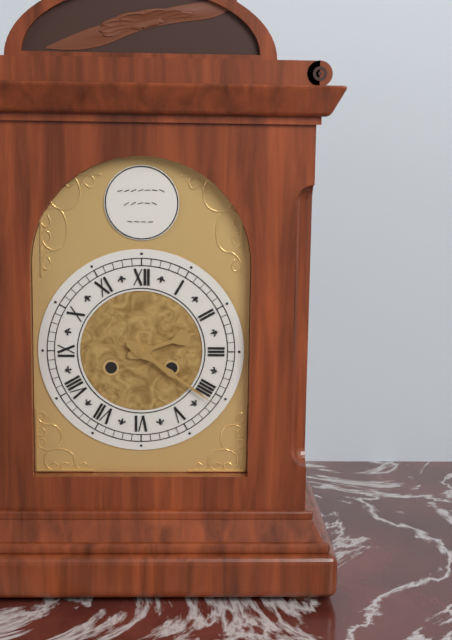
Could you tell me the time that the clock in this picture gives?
2:21
